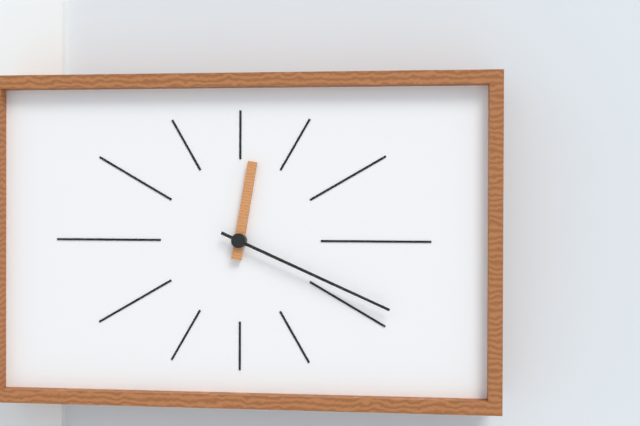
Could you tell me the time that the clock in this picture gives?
12:19
